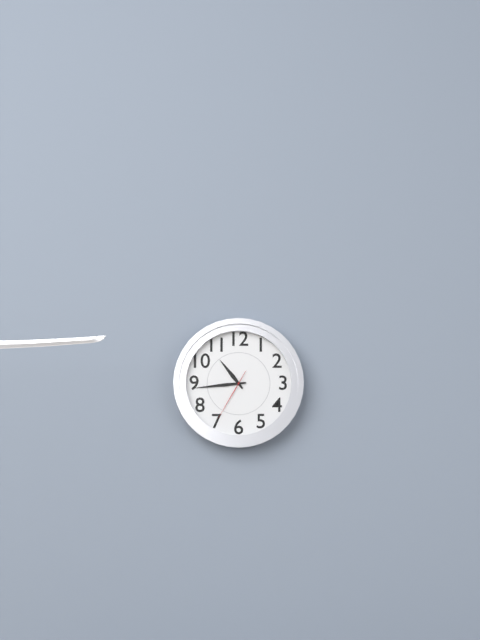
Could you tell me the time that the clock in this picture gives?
10:44:35
